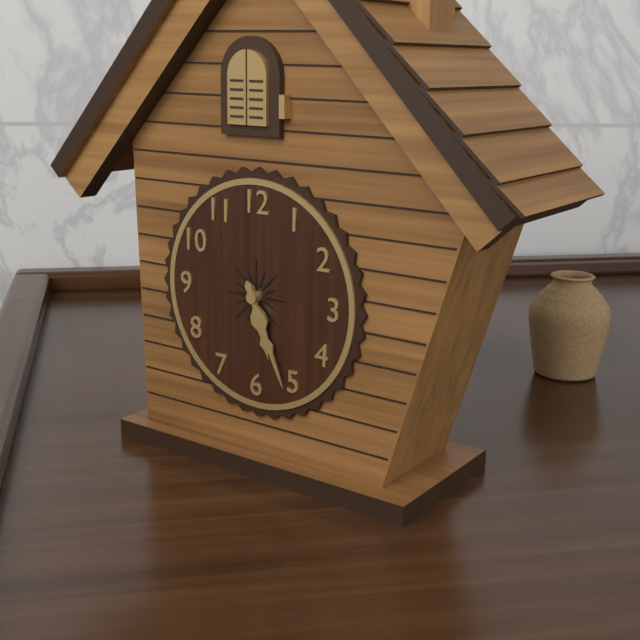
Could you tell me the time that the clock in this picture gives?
5:26
